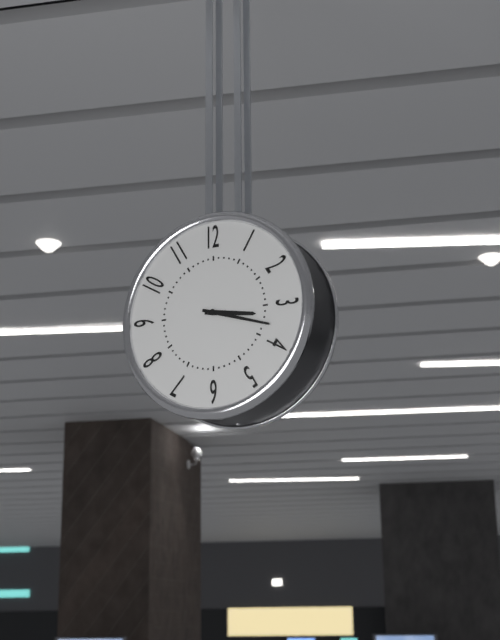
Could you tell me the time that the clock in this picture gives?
3:18
